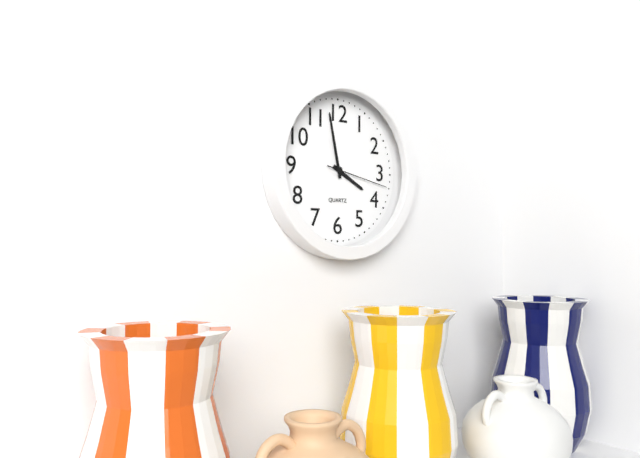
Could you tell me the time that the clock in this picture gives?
3:58:17
